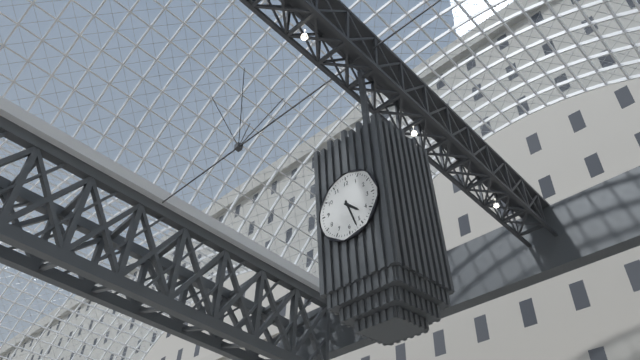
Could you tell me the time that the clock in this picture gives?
4:27
